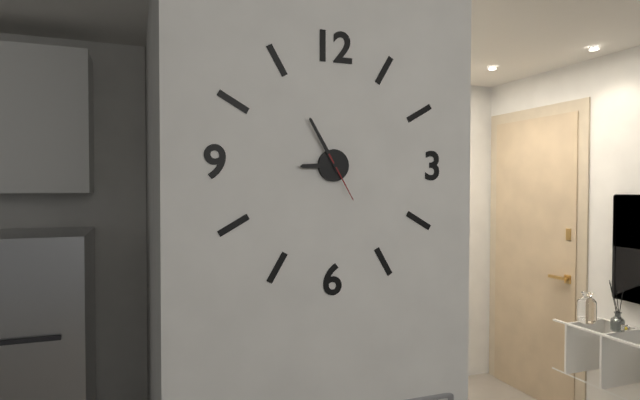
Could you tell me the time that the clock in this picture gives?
8:55
